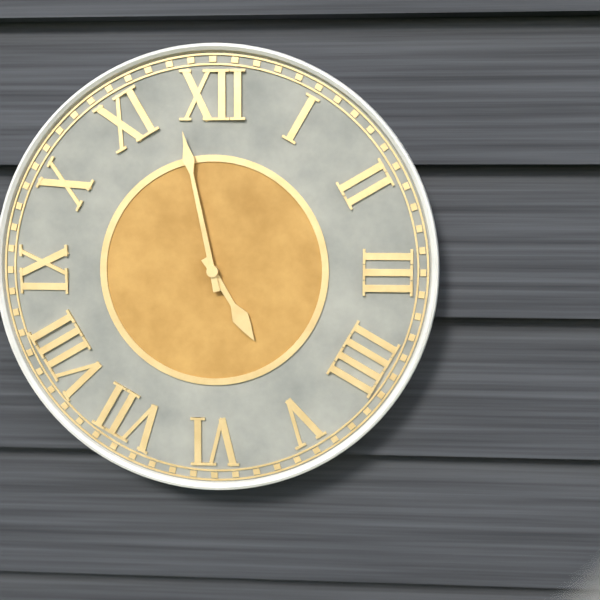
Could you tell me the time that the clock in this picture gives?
4:58
